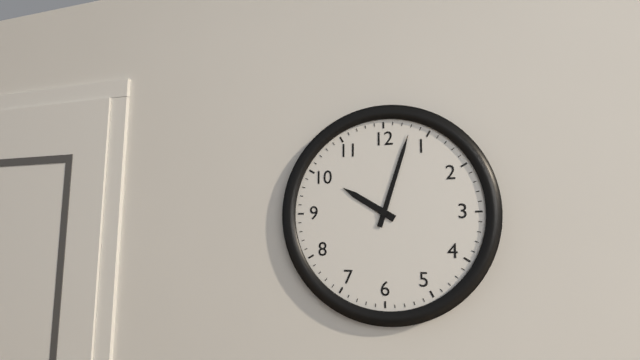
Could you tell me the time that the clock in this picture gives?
10:03
